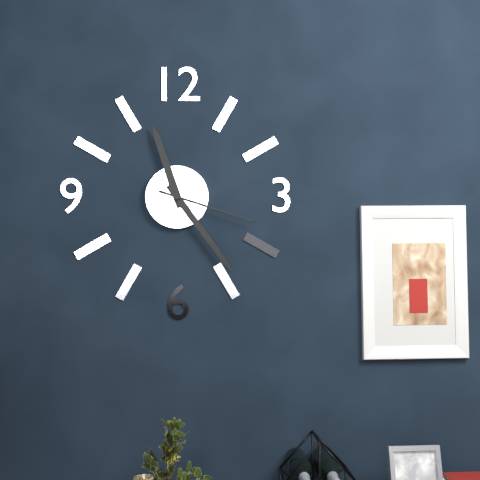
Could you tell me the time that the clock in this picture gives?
11:24:18
